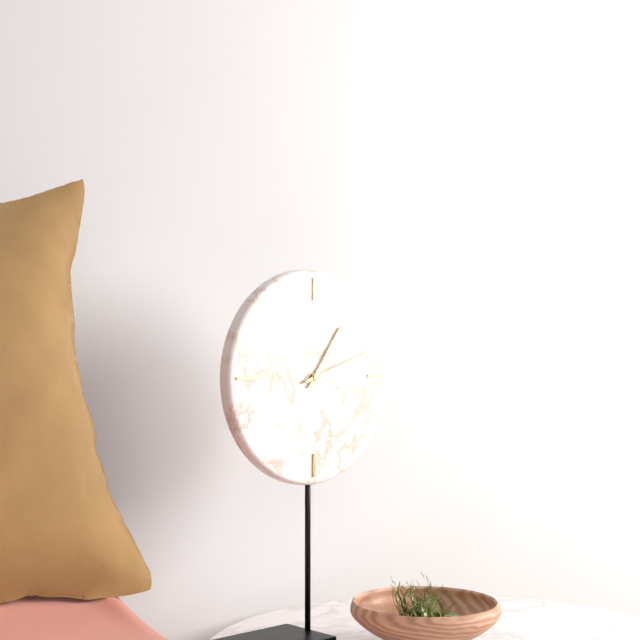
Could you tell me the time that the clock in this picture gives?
1:12
